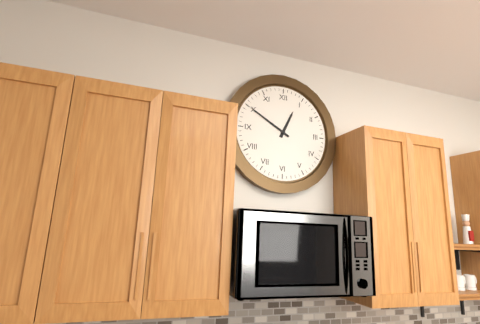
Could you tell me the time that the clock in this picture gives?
12:50
